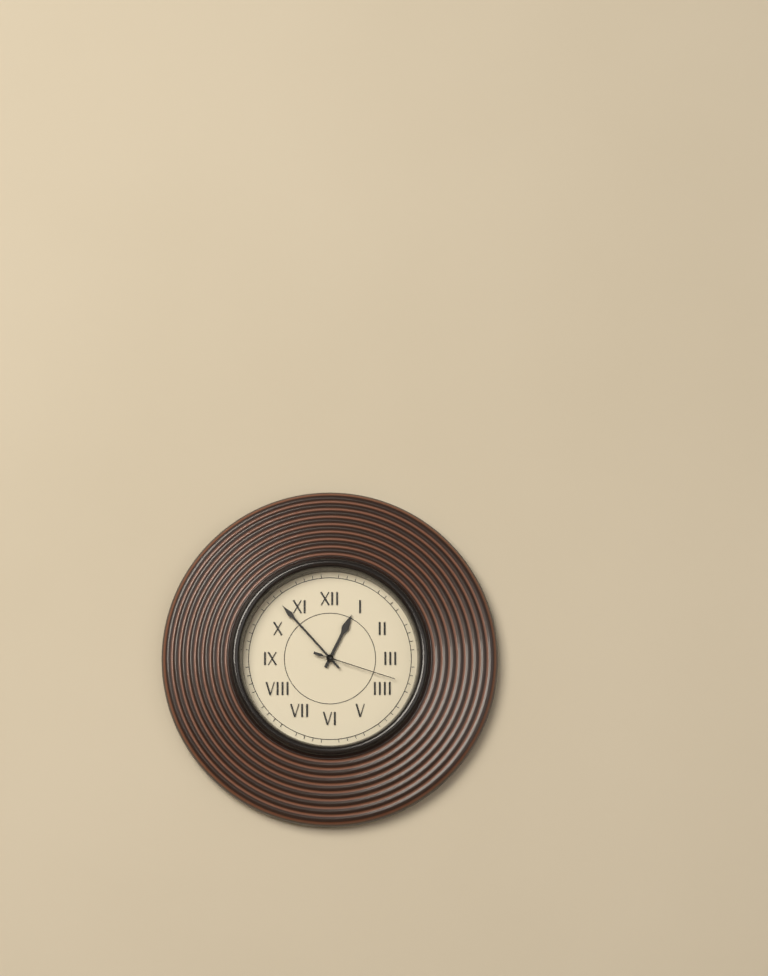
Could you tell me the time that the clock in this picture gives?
12:53:18
